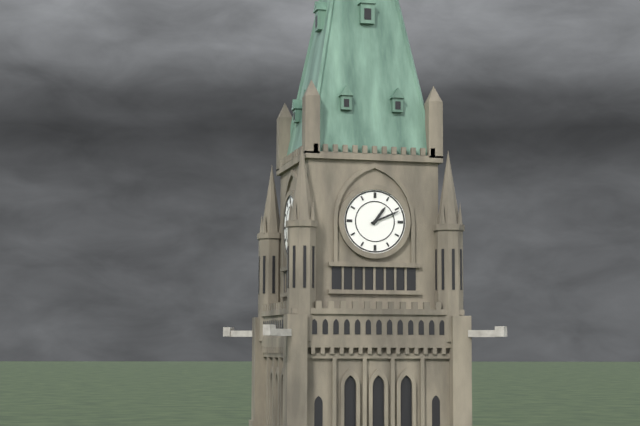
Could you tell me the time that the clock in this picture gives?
1:11
